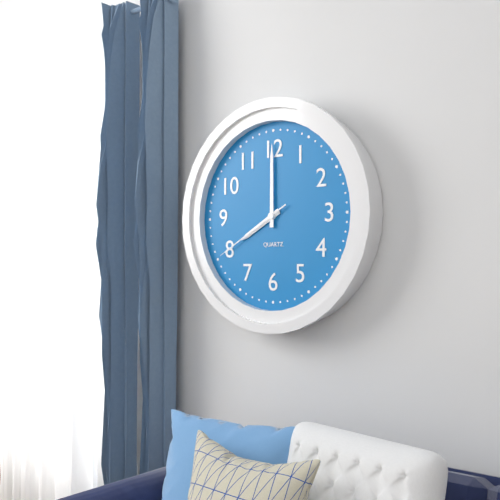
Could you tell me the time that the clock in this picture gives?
8:00:40
